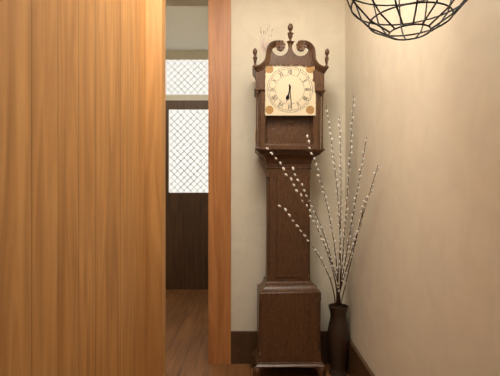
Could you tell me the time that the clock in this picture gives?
6:29
